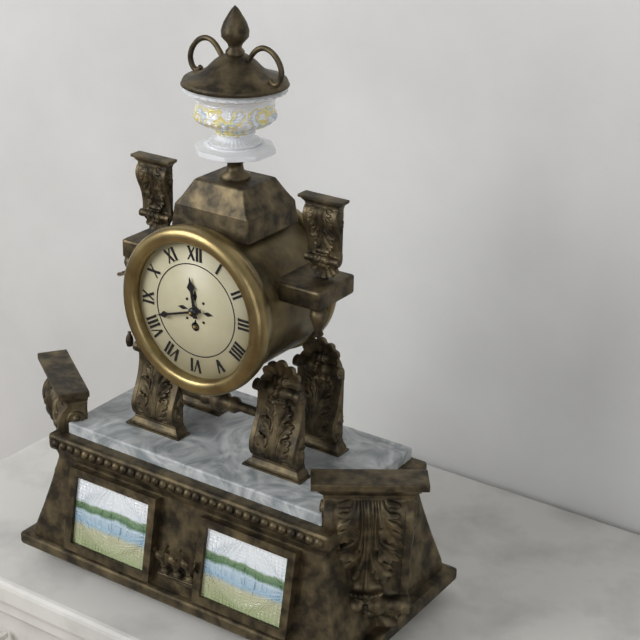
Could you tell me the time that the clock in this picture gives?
11:42
